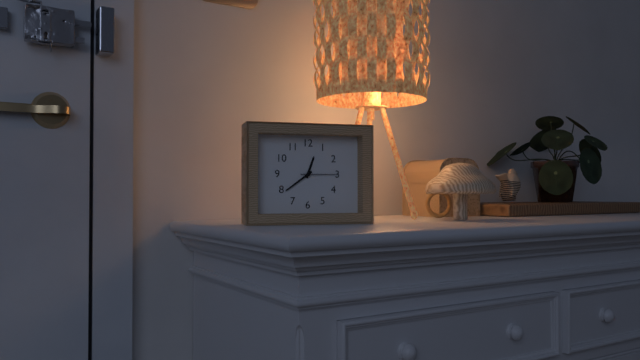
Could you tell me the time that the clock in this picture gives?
12:39
